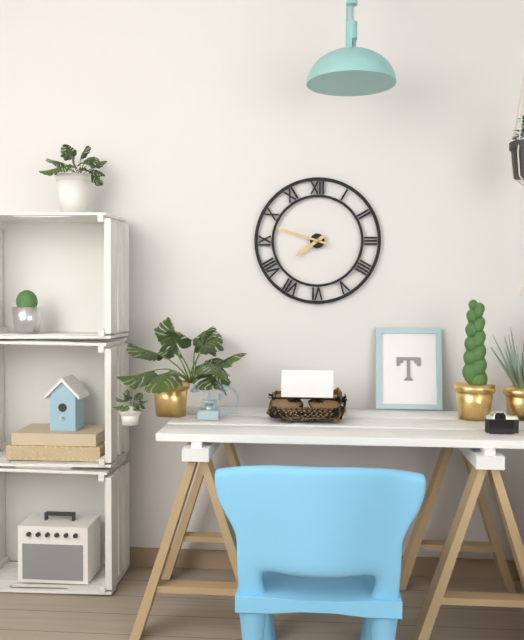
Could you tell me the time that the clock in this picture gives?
7:48
